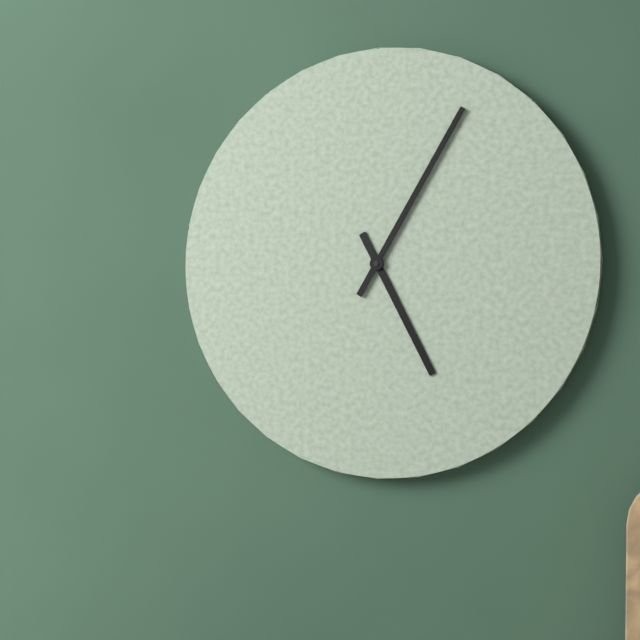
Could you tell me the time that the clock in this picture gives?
5:05
